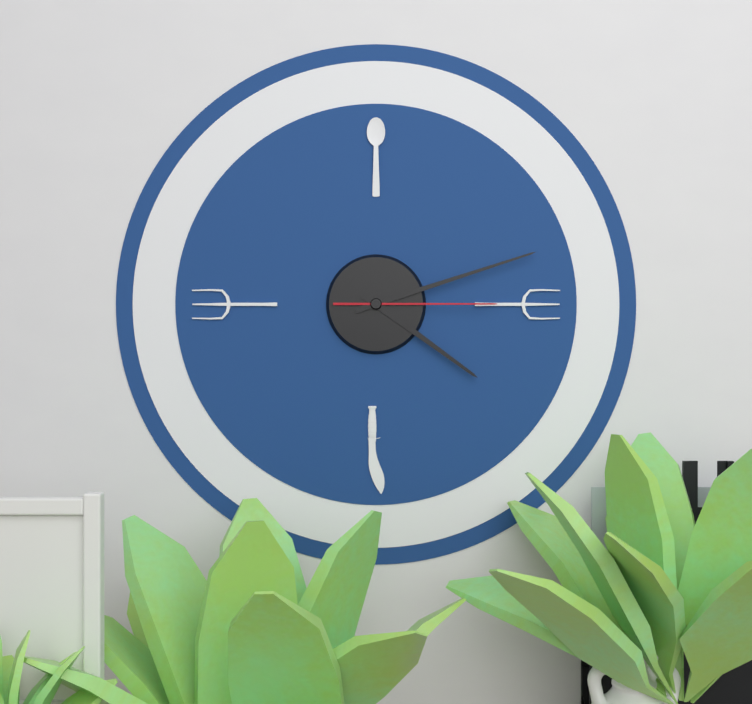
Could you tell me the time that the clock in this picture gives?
4:12:15
